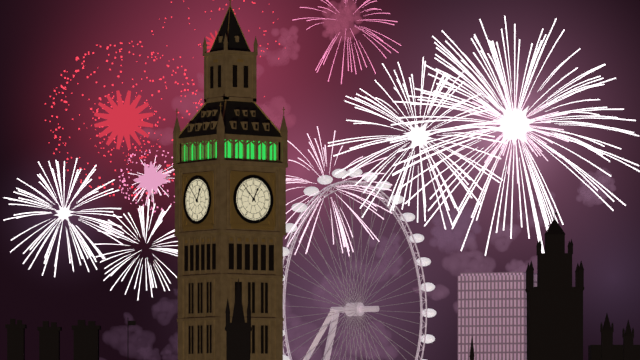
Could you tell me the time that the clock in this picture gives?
12:53
